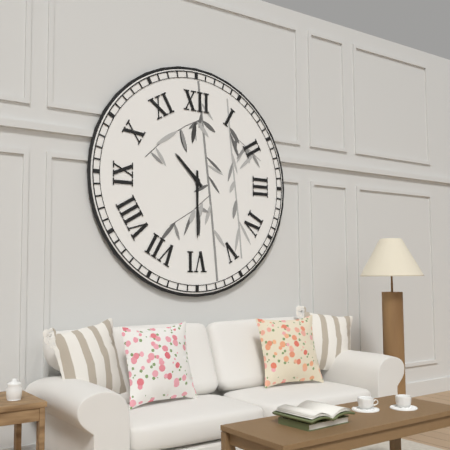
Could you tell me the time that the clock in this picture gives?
10:30
